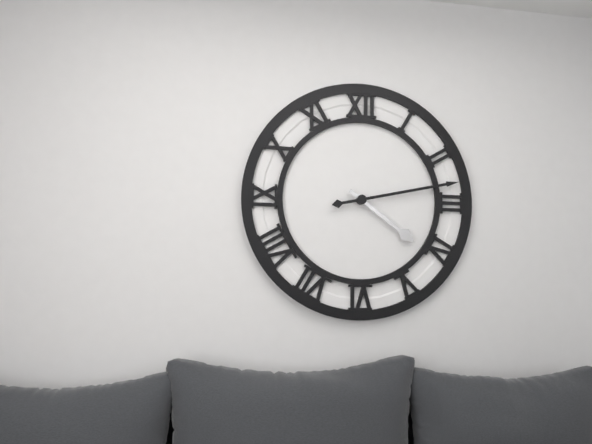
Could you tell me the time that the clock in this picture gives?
4:13
